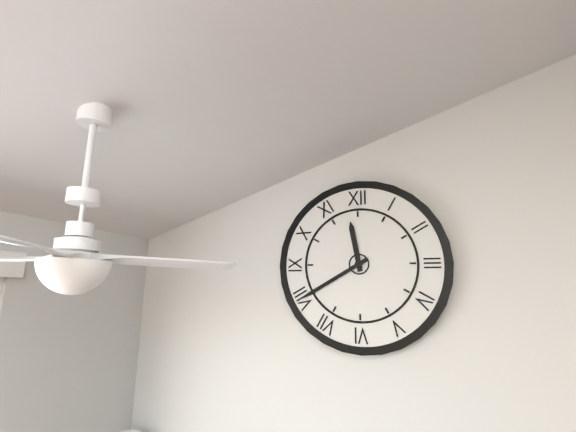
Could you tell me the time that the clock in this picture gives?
11:40
